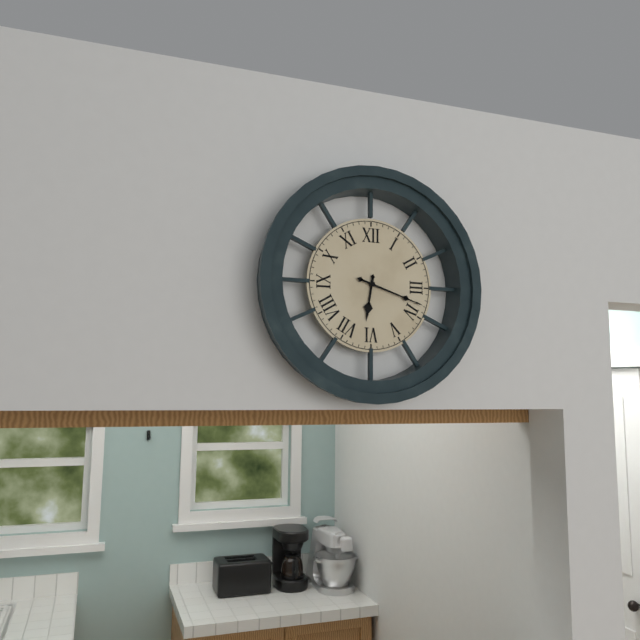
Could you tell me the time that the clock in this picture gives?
6:18
